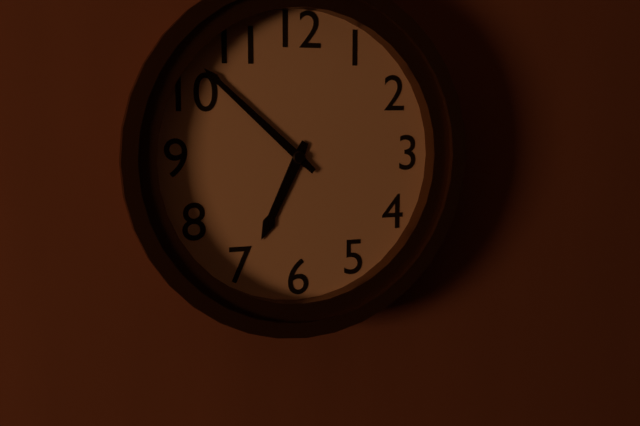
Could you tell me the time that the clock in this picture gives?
6:52
